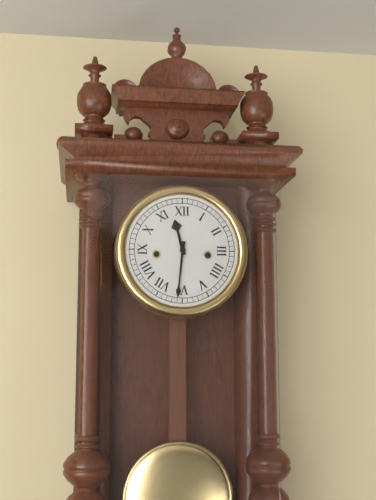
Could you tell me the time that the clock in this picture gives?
11:31
